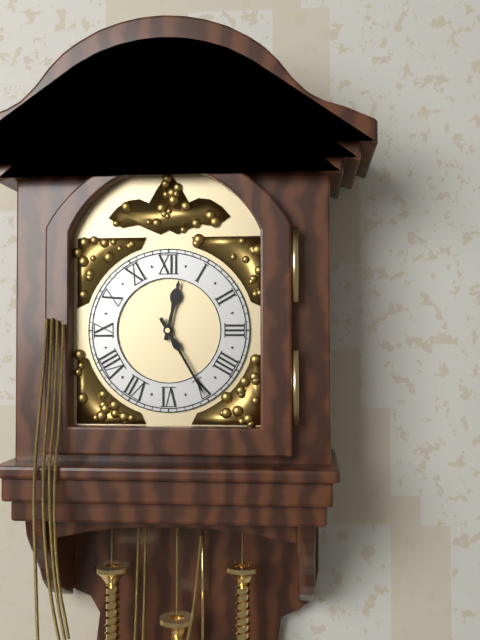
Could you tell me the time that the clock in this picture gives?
12:25
